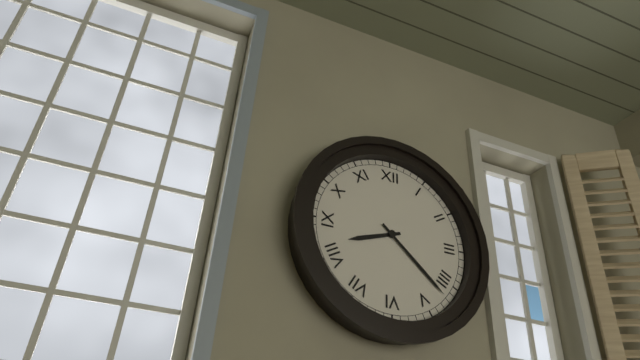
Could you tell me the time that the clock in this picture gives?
8:22
